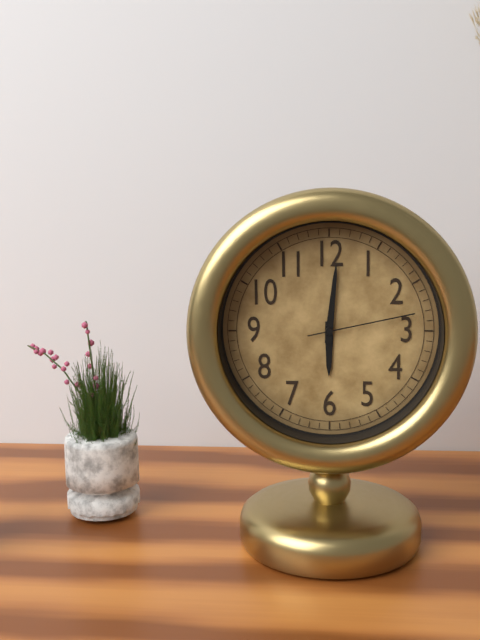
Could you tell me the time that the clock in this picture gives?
6:01:13
